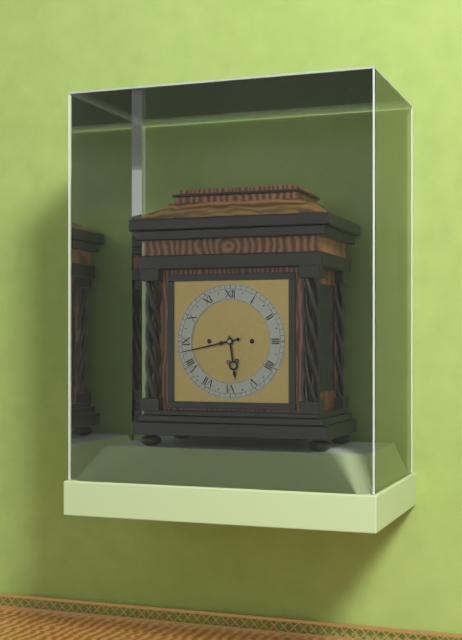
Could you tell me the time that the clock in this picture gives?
5:43
